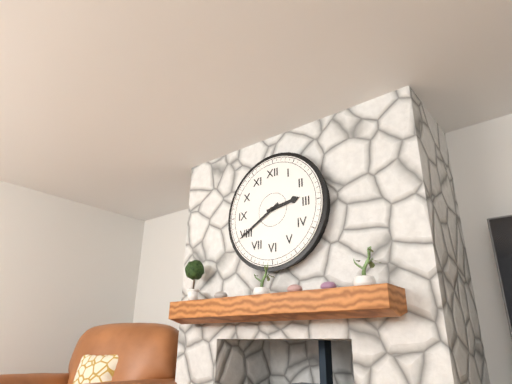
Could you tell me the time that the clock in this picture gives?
2:40
